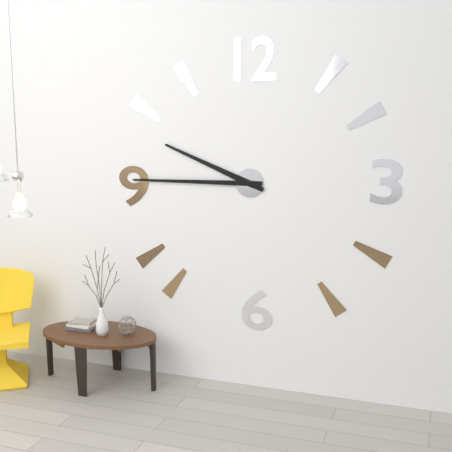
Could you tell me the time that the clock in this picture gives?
9:45
